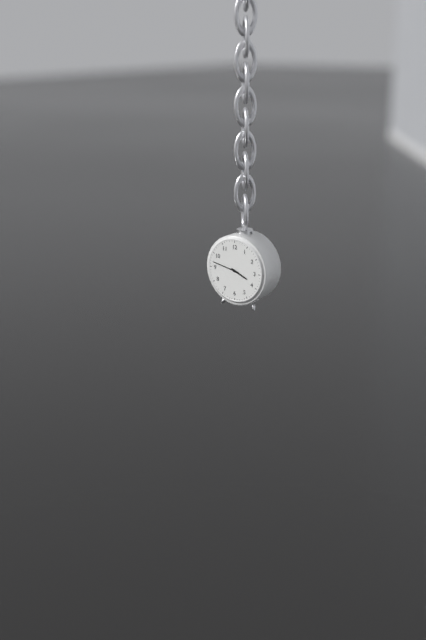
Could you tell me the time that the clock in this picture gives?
3:47
